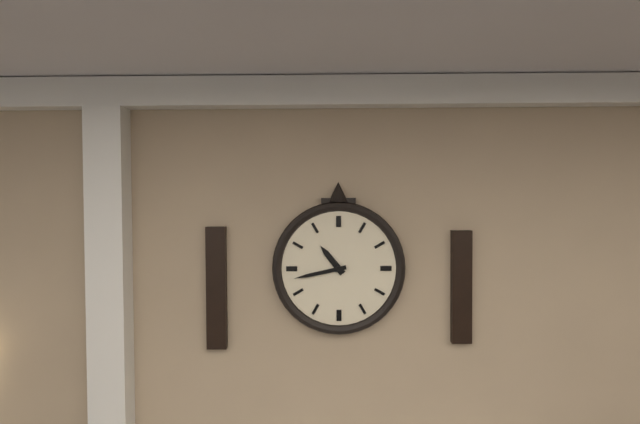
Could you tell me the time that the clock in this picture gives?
10:43
